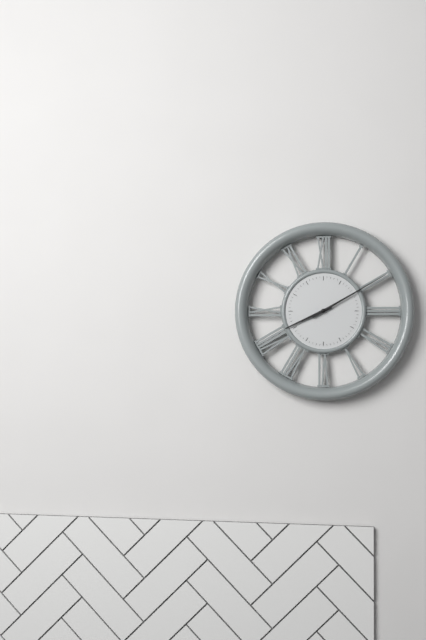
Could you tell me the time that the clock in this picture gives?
8:10
